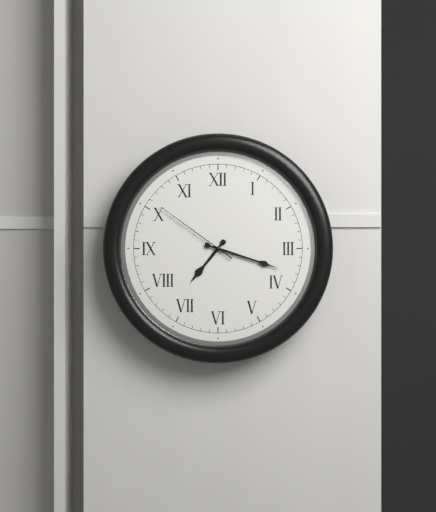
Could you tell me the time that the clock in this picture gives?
7:18:51
